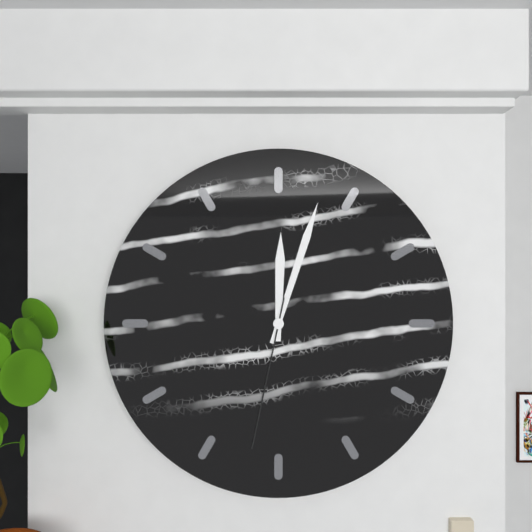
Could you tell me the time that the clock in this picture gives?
12:03:32
